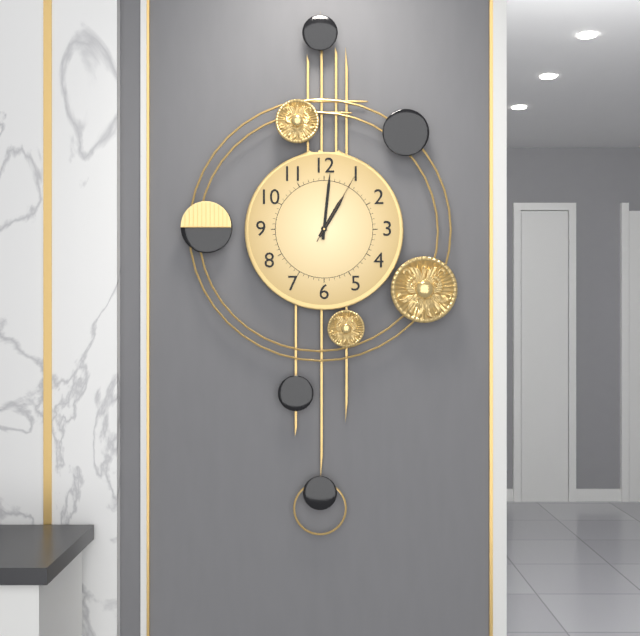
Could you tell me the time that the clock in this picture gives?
1:01:05
